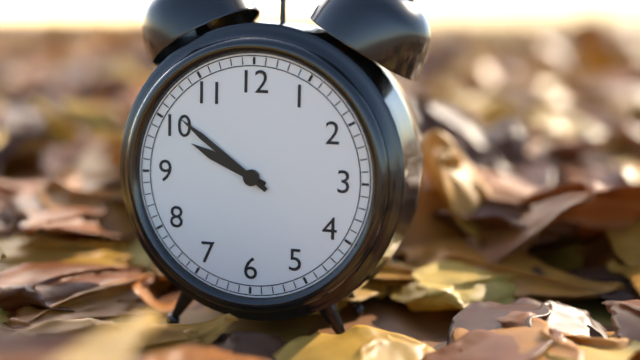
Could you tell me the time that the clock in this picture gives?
9:51
